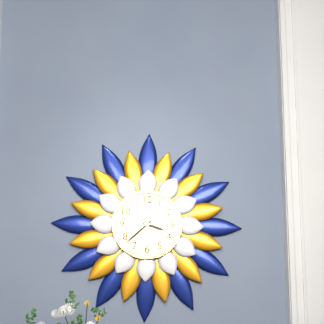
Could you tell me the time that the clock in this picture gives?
3:38
